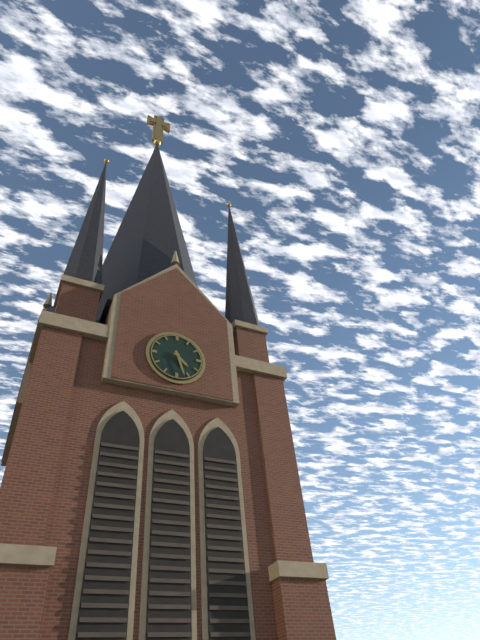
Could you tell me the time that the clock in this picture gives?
4:27
